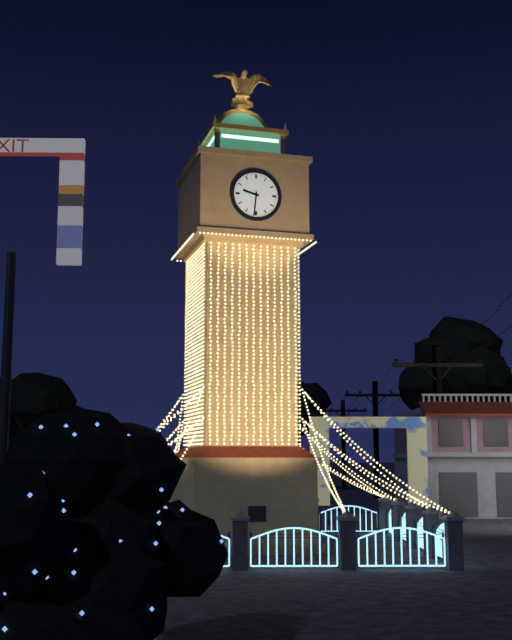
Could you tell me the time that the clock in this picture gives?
9:31
